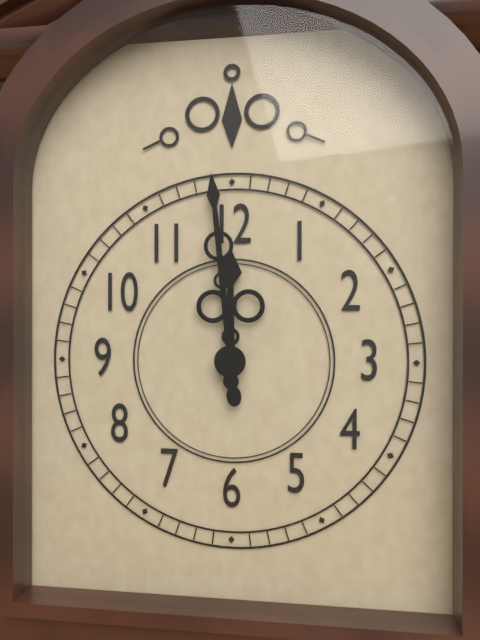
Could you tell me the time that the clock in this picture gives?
11:59
